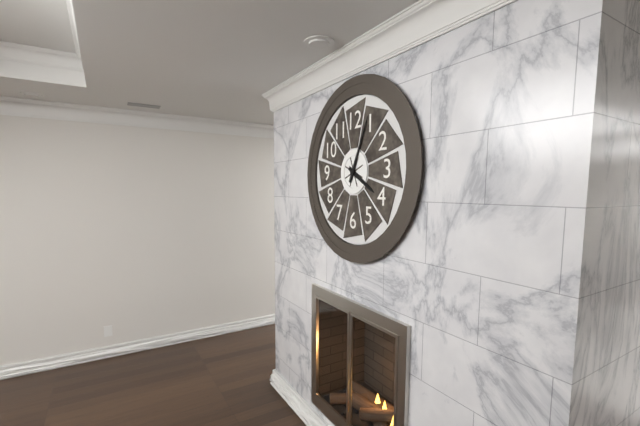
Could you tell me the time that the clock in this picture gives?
4:04
